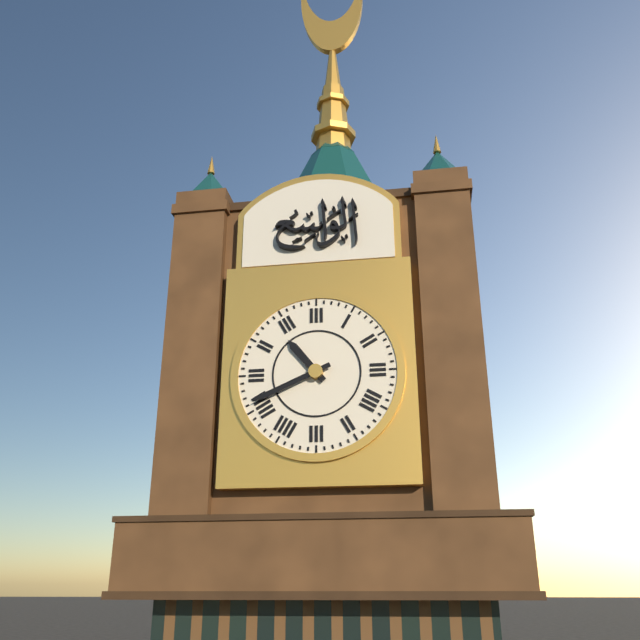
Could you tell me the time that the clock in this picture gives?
10:41
